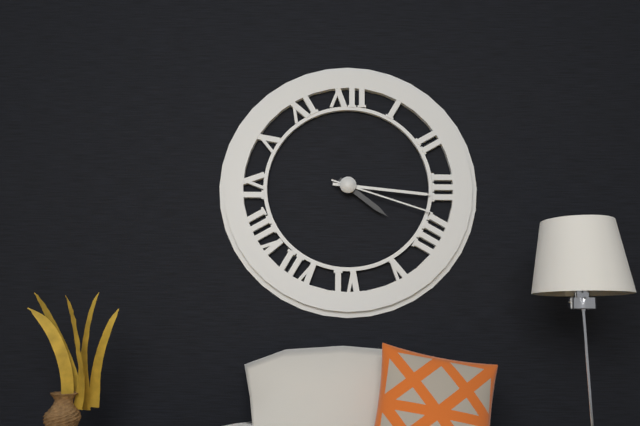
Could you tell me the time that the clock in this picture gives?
4:16:18
